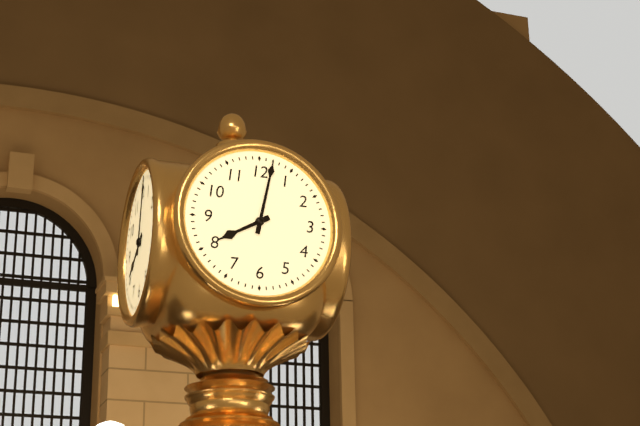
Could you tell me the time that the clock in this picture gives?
8:02
